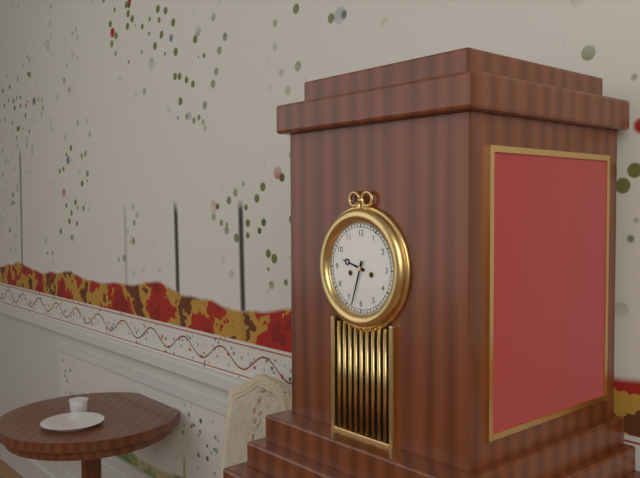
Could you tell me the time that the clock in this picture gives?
9:33
